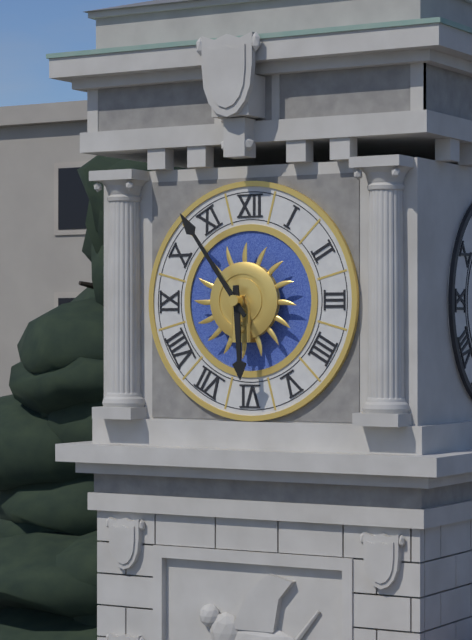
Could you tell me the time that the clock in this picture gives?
5:54
